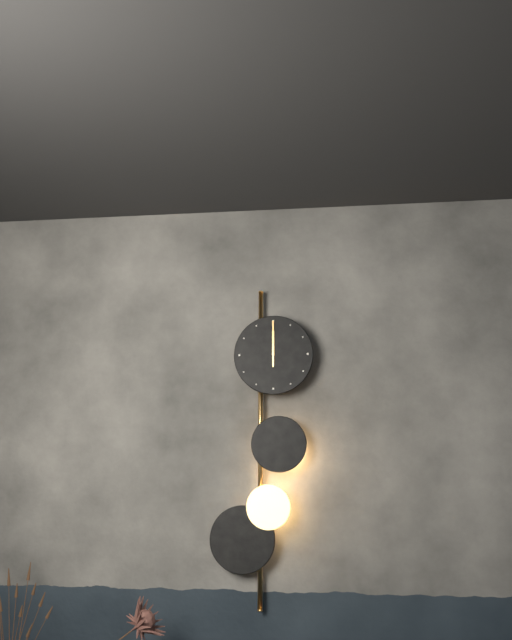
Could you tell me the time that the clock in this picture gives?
12:00
